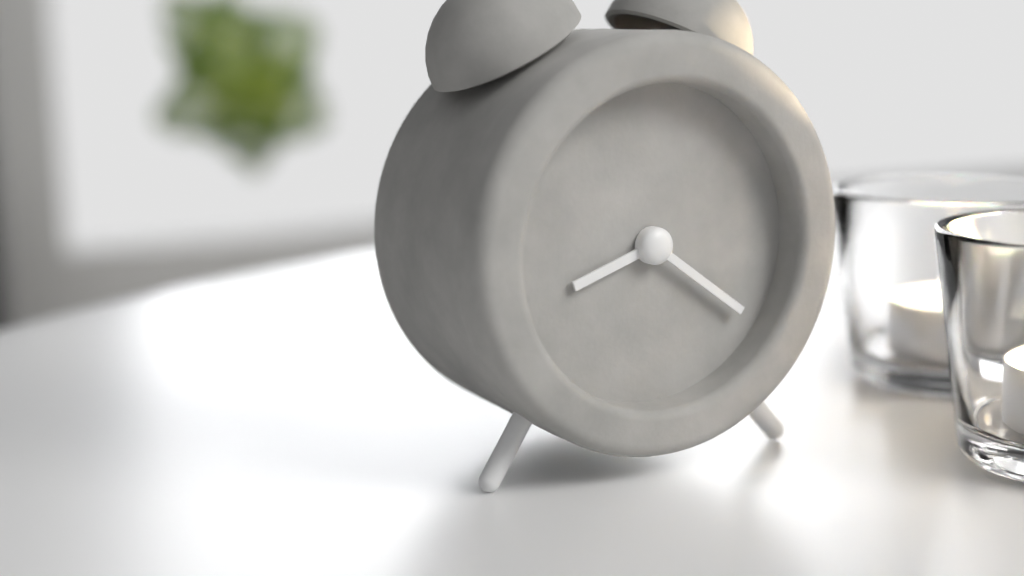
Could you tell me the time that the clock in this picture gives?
8:21
